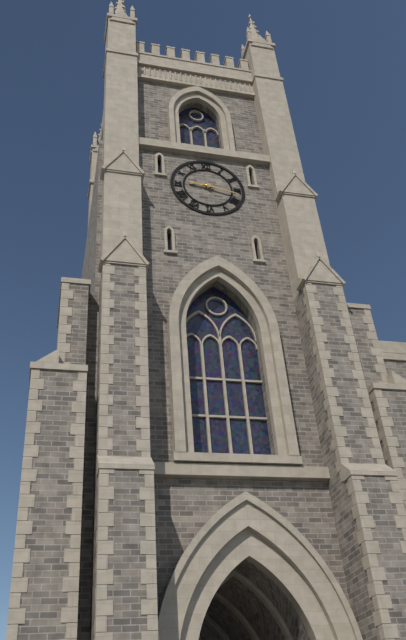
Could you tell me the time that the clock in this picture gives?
9:17
